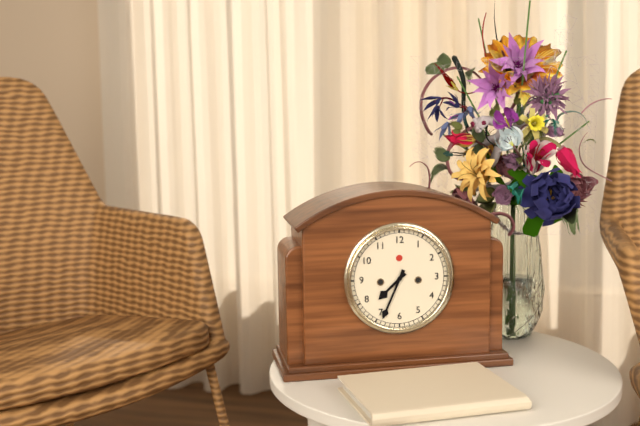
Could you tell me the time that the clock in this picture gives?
7:34
